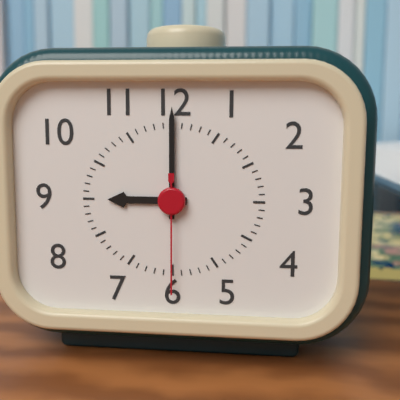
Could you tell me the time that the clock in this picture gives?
9:00:30
